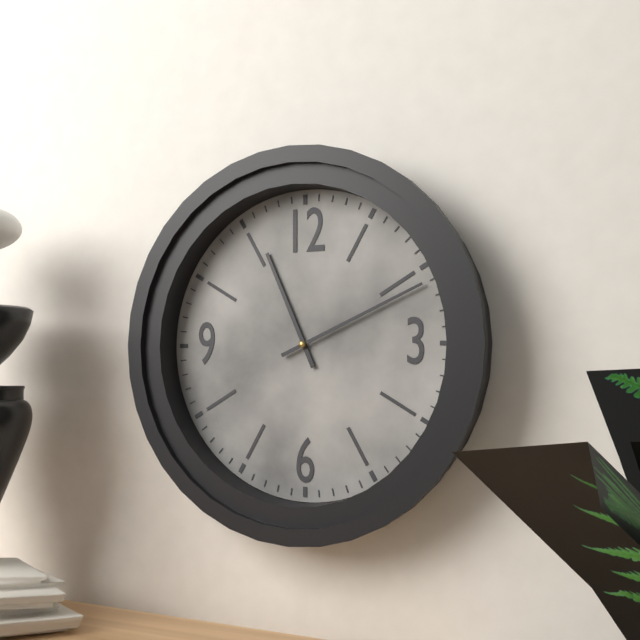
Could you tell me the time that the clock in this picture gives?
11:11
